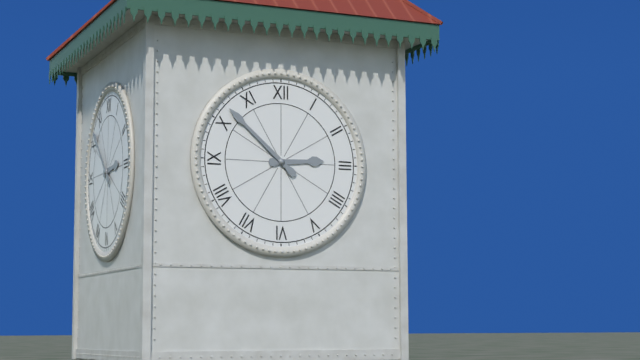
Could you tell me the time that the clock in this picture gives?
2:52
